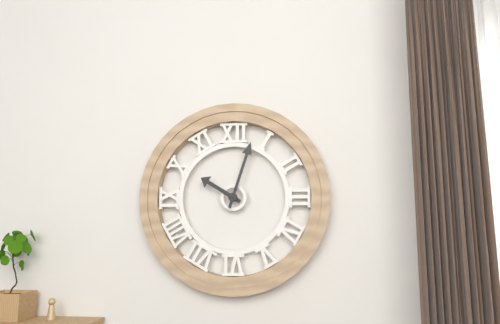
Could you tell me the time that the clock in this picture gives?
10:03
